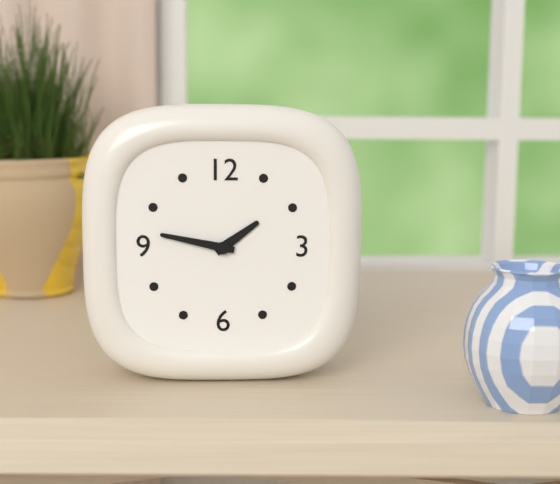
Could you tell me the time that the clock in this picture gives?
1:47
